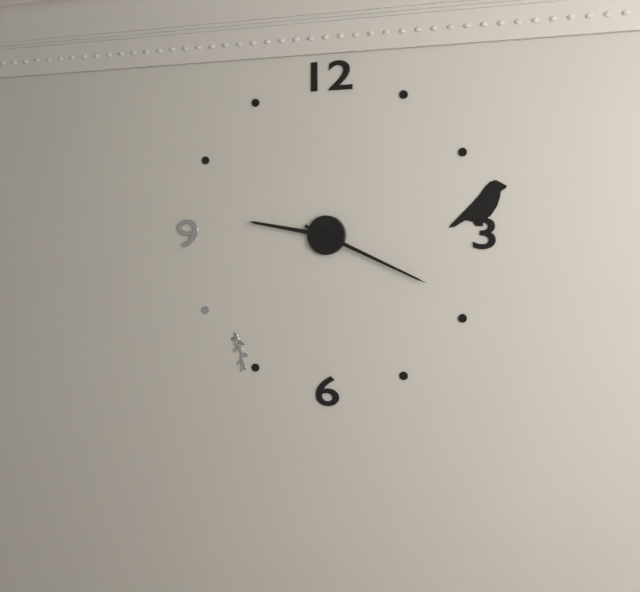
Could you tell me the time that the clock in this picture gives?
9:19
